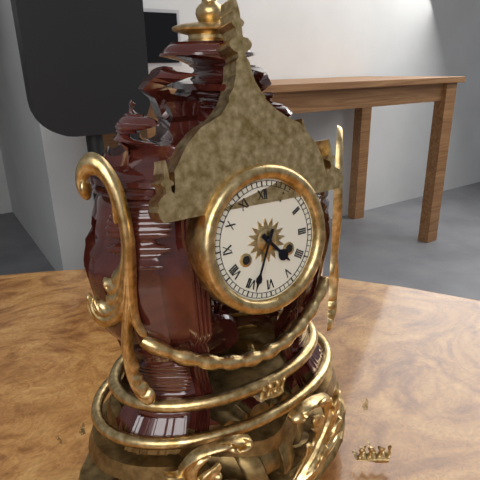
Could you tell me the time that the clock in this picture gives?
4:34
